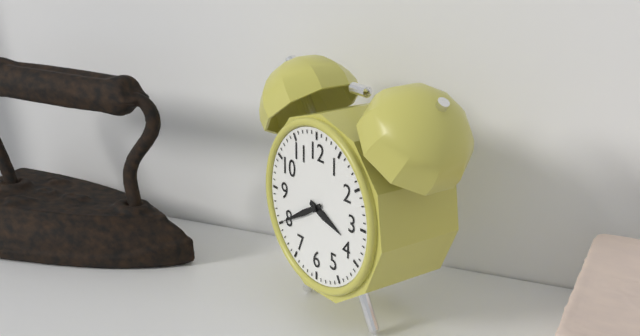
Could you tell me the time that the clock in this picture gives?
3:40
